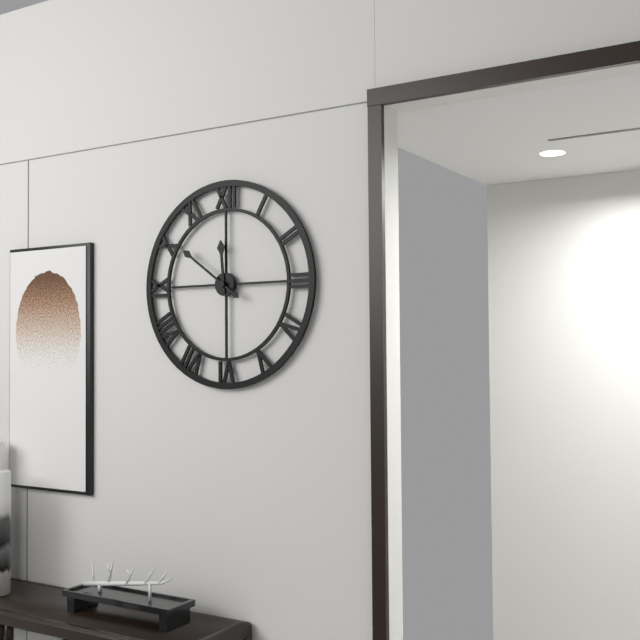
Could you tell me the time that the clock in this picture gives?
11:51
